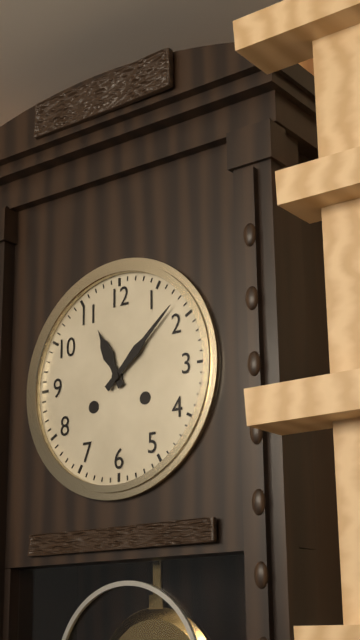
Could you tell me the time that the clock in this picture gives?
11:08
